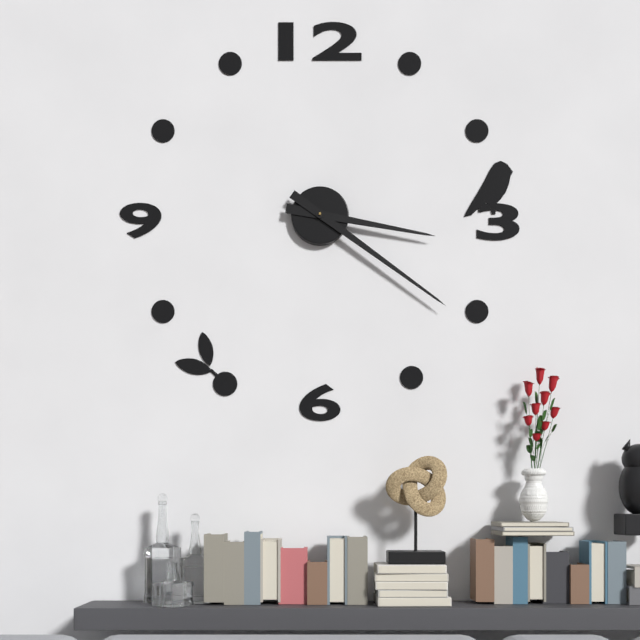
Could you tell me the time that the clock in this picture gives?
3:21
